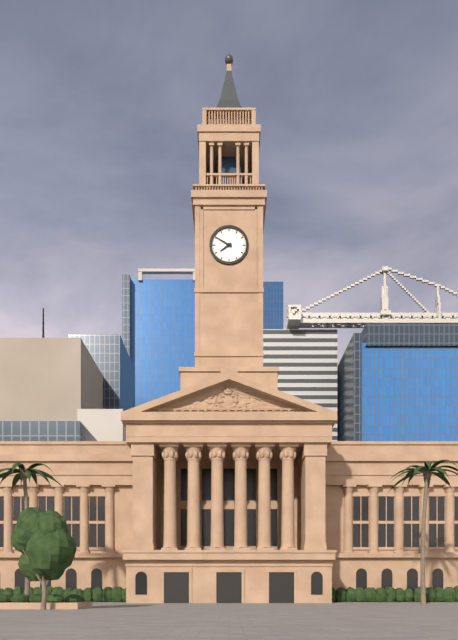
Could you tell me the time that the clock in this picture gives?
7:50
